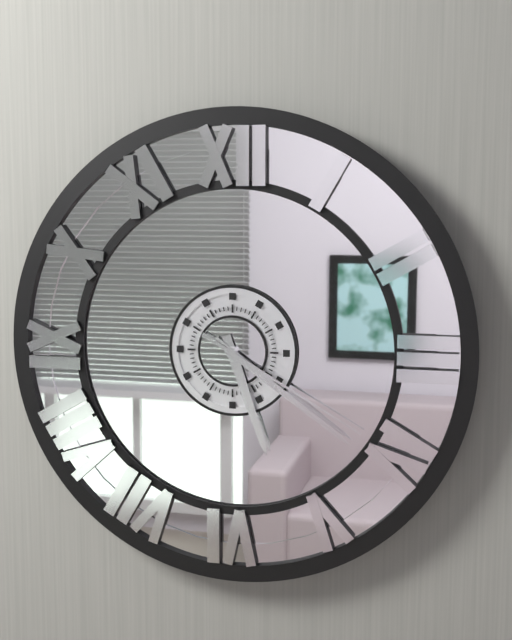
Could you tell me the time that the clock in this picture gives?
5:21:20
